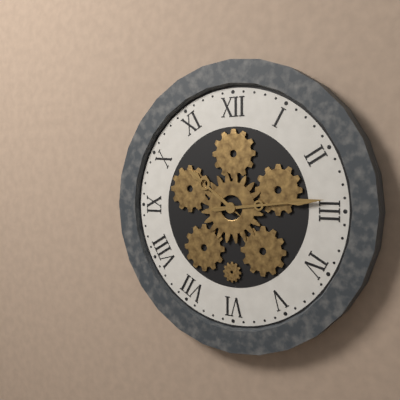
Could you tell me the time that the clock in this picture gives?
10:14
